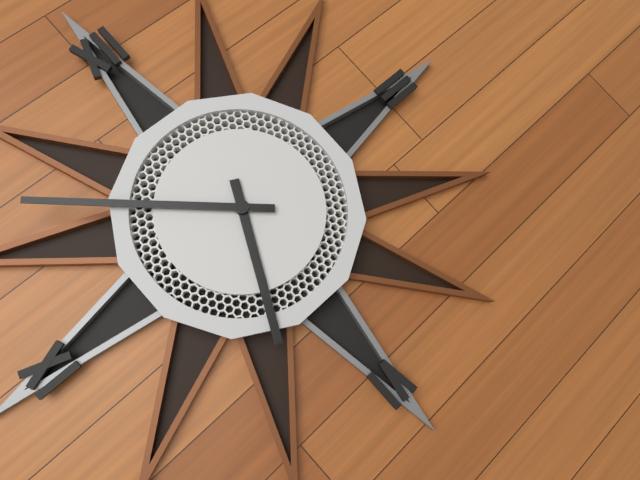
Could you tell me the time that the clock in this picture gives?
6:52
